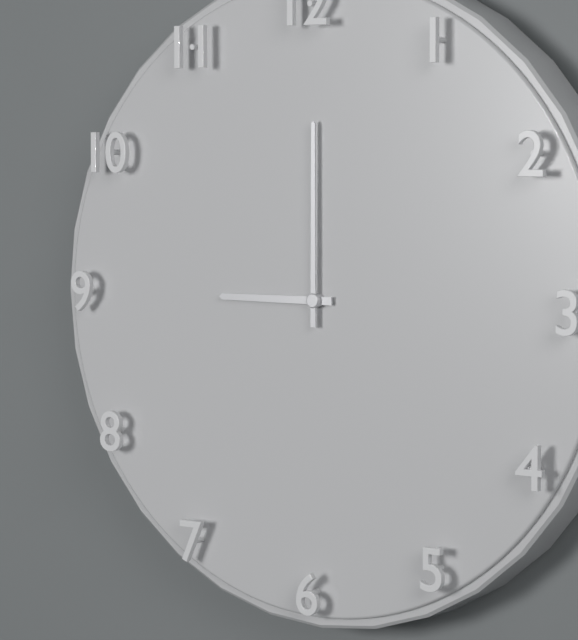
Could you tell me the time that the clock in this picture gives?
9:00
